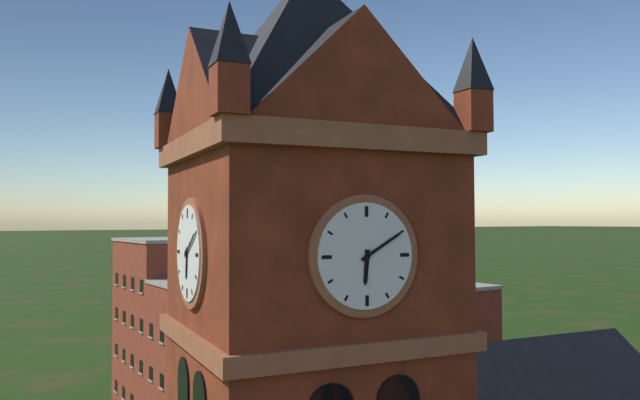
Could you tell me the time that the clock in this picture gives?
6:10
